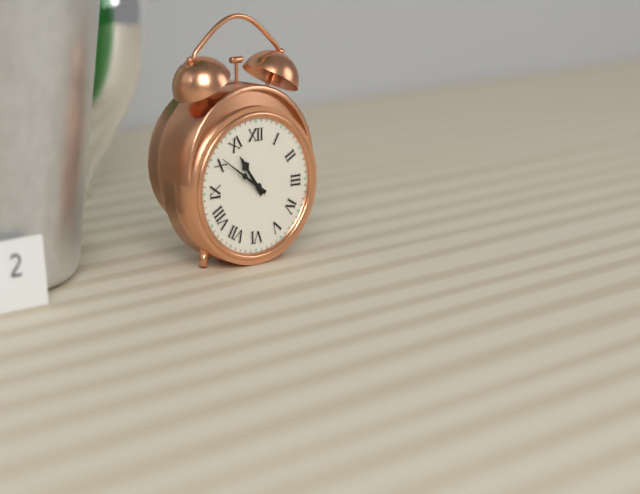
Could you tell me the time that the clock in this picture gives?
10:51
